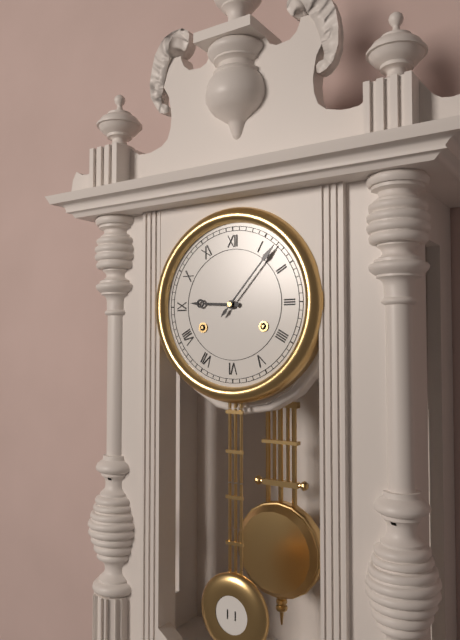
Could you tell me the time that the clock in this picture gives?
9:07
